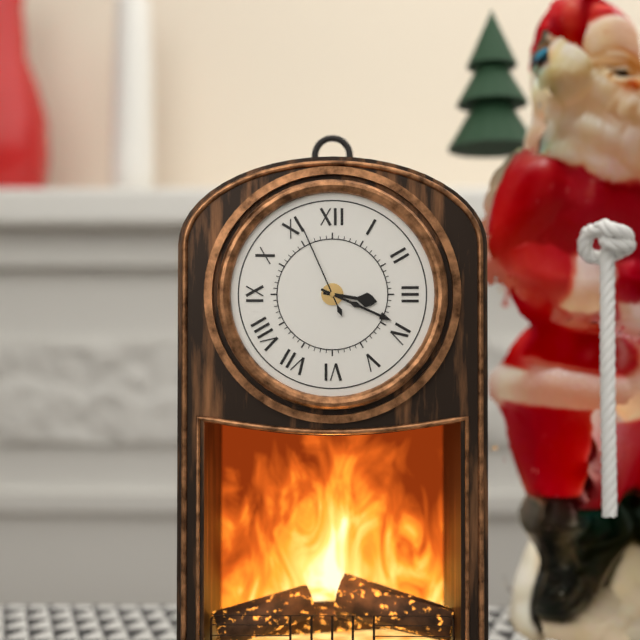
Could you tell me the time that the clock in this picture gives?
3:19:56
